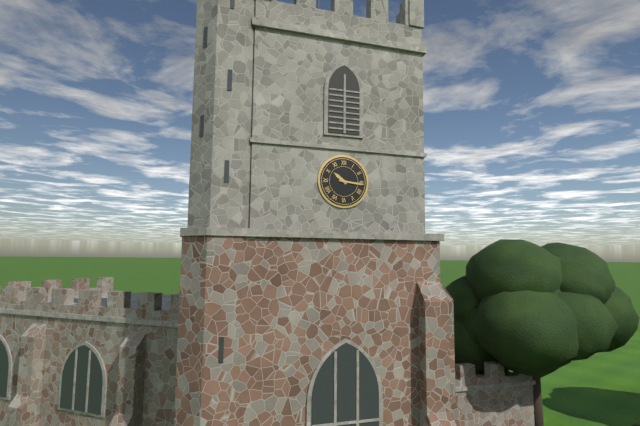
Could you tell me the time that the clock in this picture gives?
10:16
